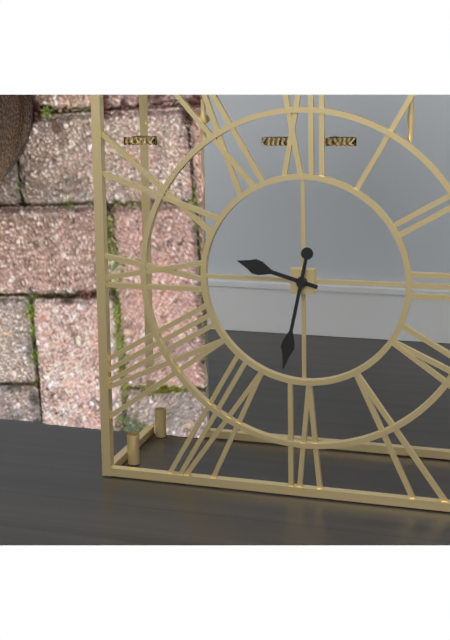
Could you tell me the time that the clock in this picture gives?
9:32
